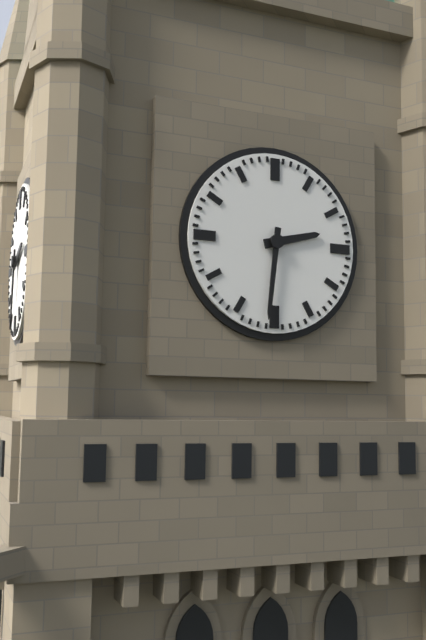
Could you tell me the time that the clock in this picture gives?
2:31
